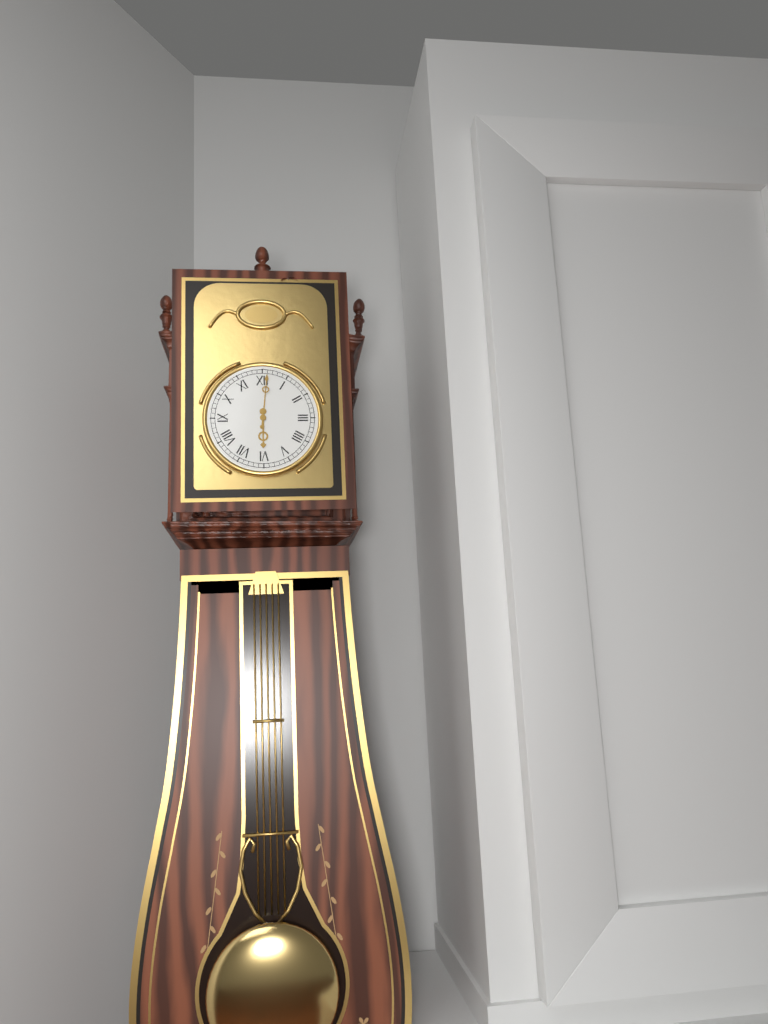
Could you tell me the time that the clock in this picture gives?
6:01
